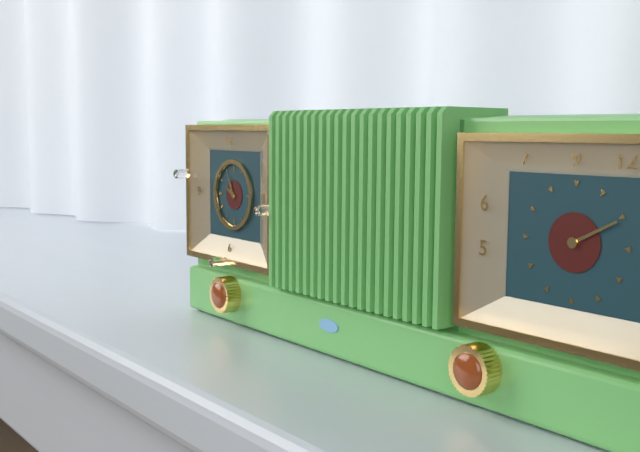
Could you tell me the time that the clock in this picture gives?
9:56
